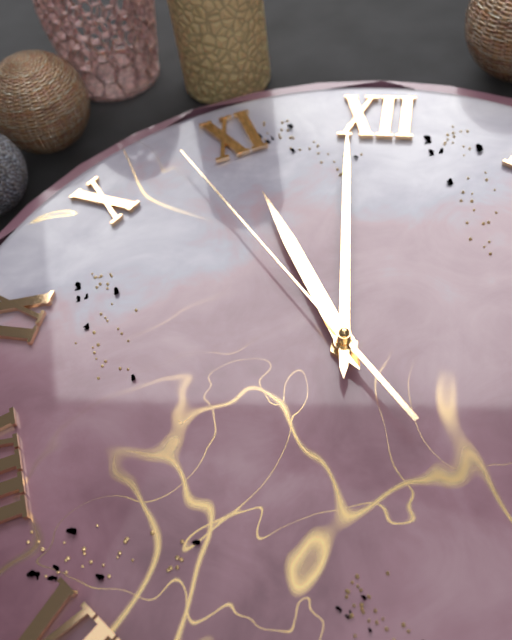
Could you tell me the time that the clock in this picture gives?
10:59:53
